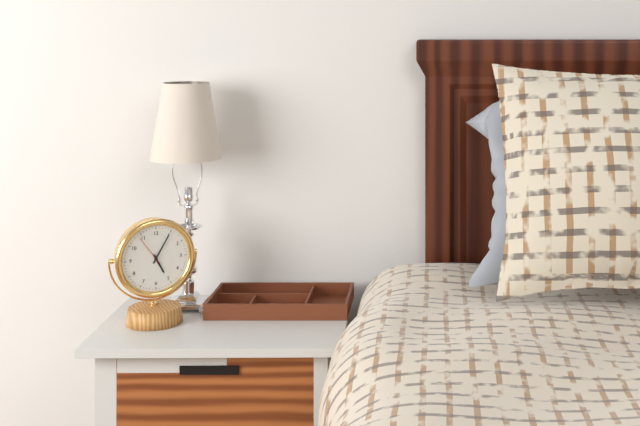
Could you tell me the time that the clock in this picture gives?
5:05
